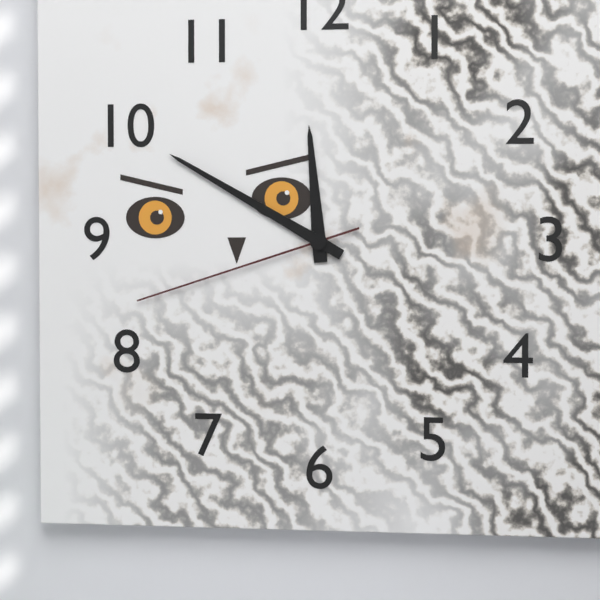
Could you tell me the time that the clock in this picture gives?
11:50:42
